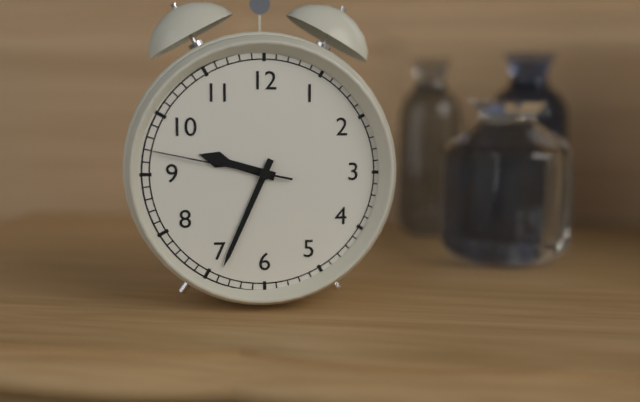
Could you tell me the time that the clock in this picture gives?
9:34:47
